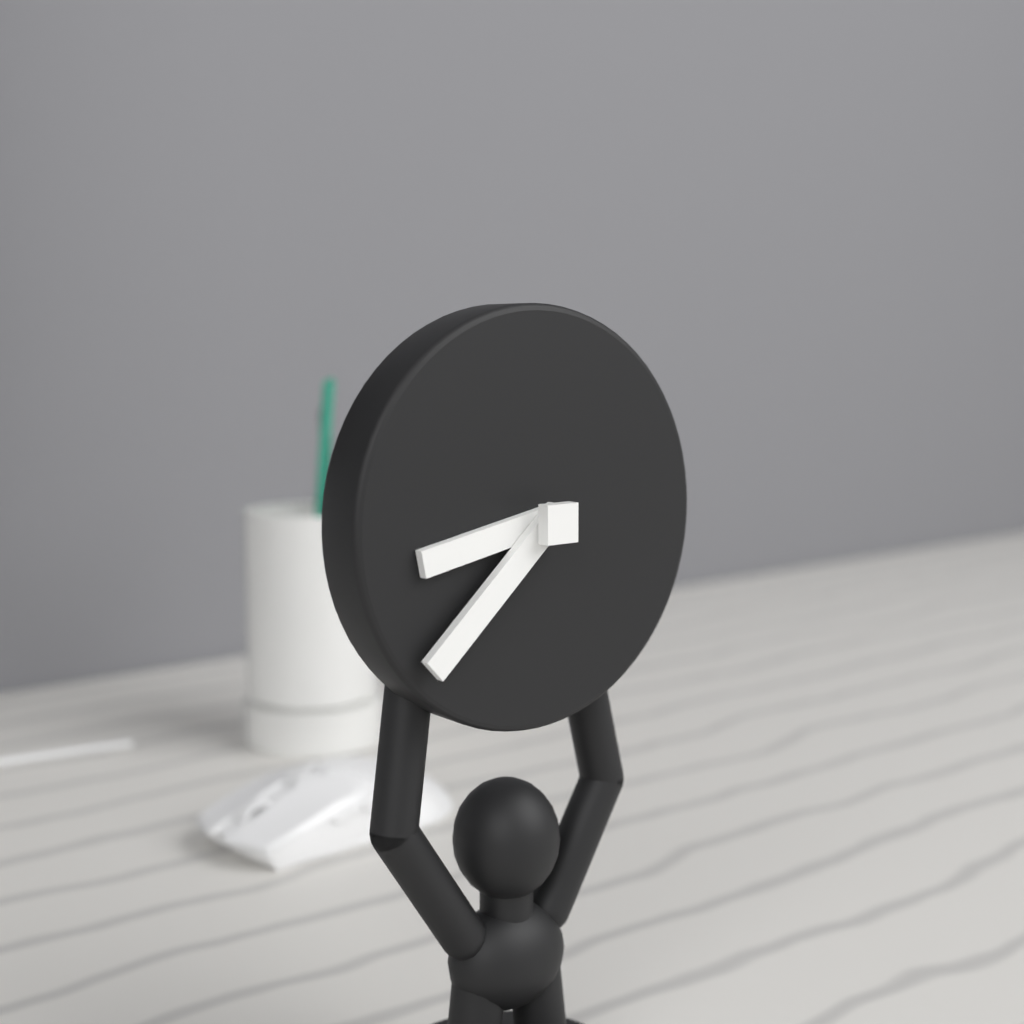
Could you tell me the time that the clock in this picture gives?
8:38
